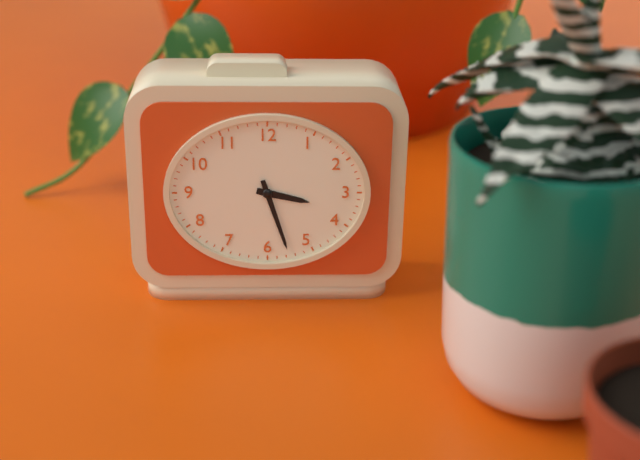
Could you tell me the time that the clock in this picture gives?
3:27
